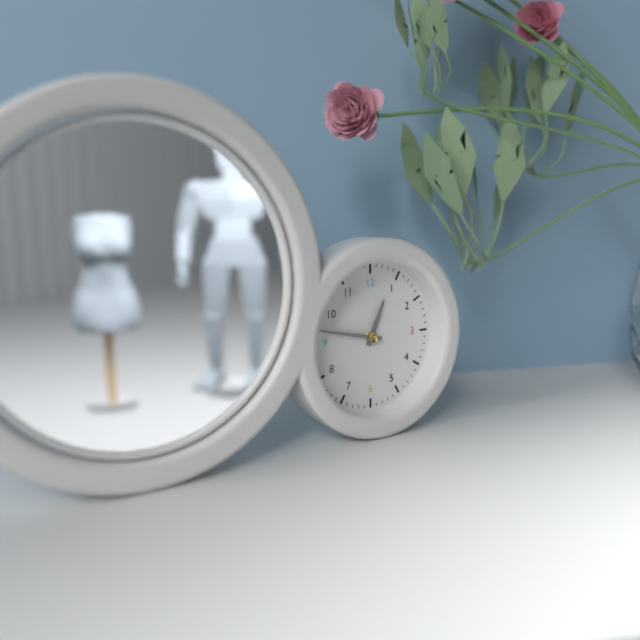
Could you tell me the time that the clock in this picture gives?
12:47
